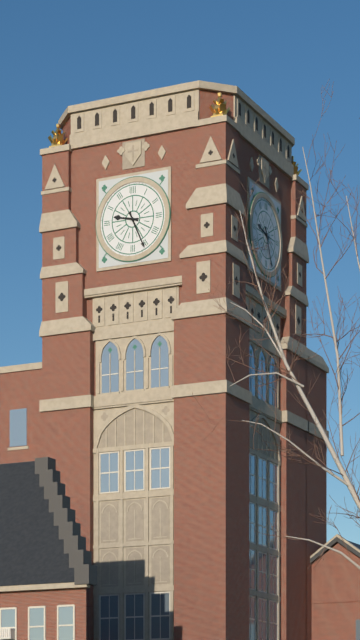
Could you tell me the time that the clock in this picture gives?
9:26
